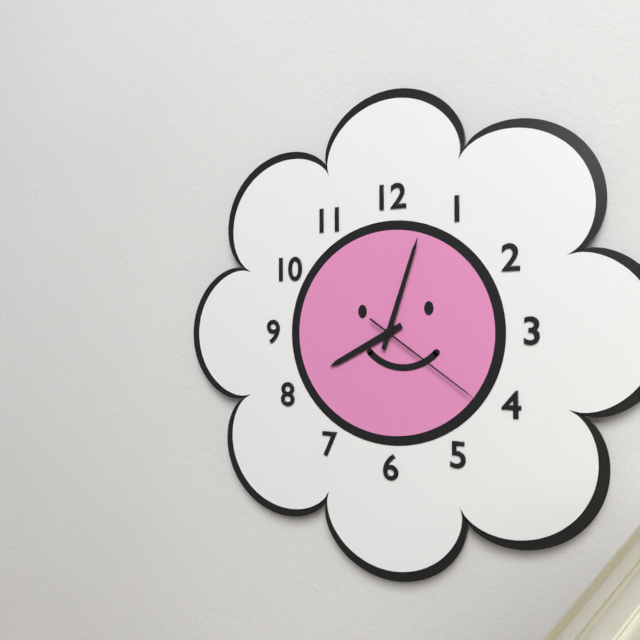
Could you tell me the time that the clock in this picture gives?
8:03:21
